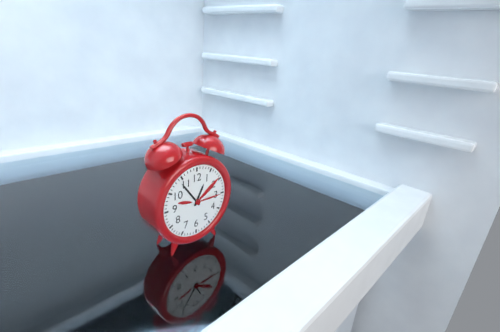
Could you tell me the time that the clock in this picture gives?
12:54
